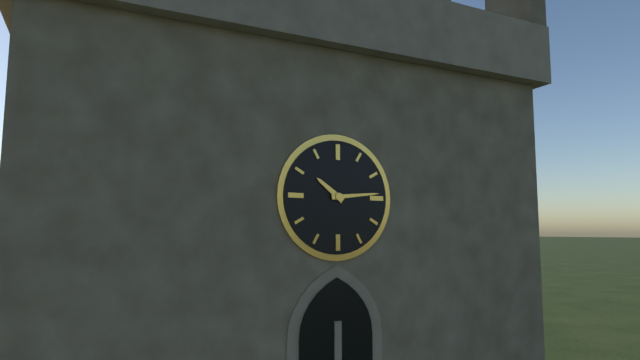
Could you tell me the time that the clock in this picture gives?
10:14
